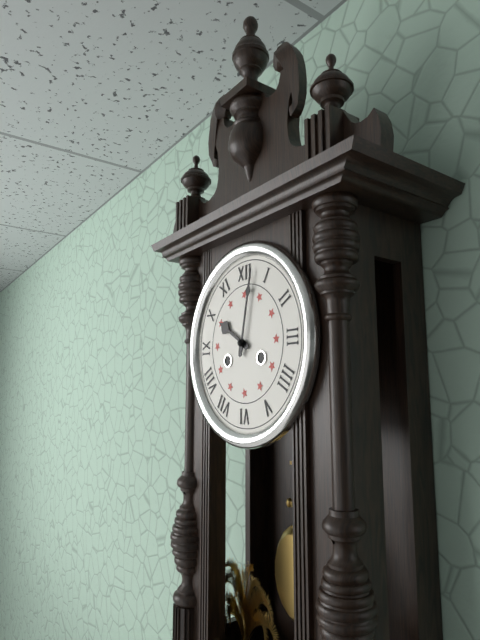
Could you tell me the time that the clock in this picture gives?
10:02
